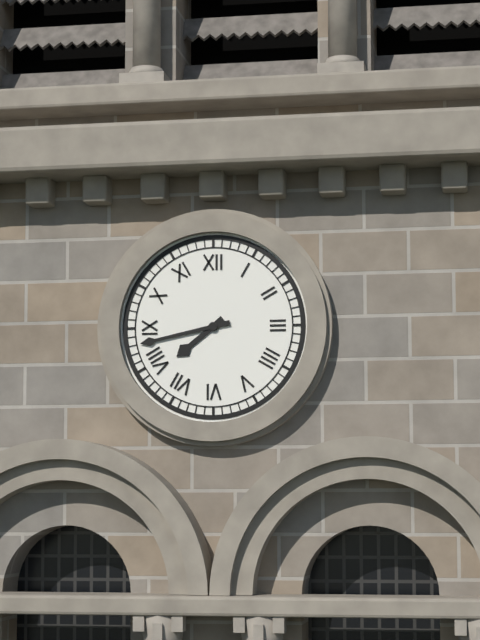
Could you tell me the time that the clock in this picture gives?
7:43
